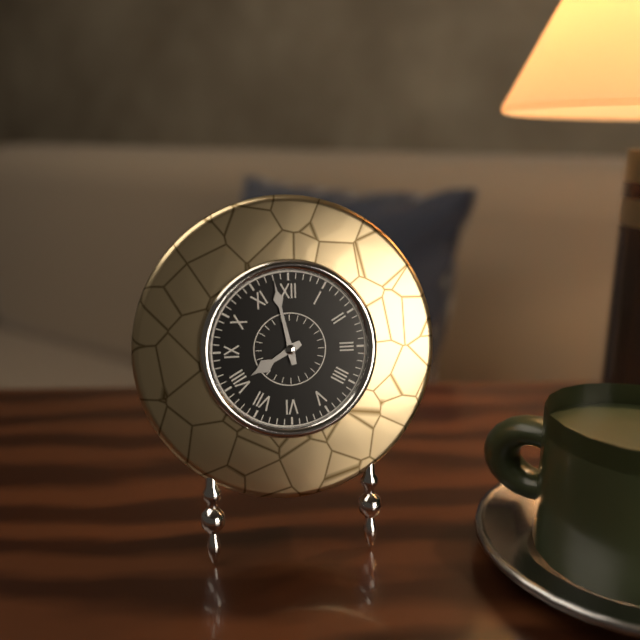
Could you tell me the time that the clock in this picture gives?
7:58
